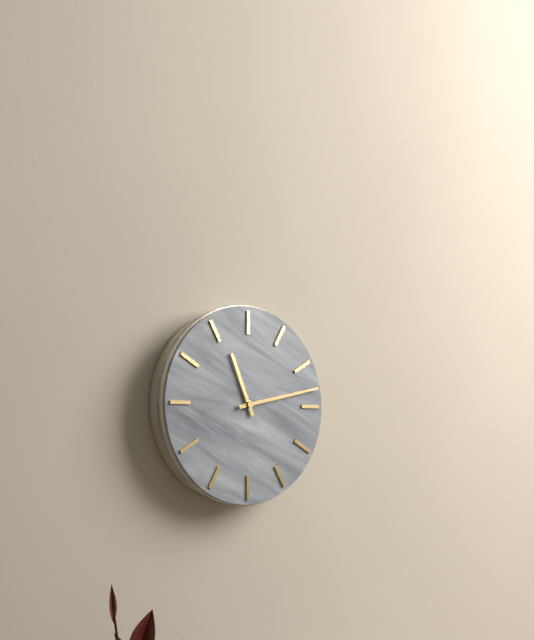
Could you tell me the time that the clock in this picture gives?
11:13
